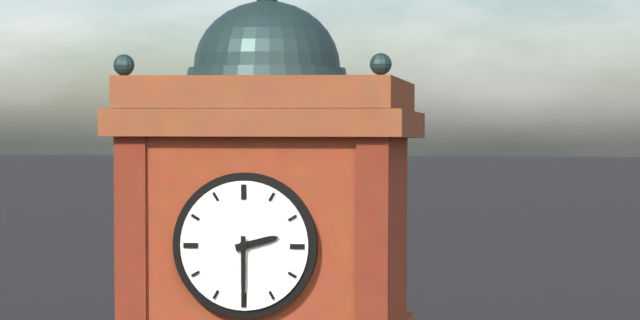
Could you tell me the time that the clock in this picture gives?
2:30
